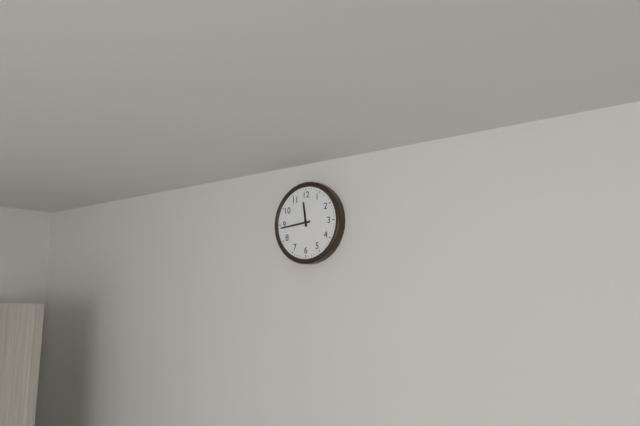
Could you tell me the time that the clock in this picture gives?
11:44
